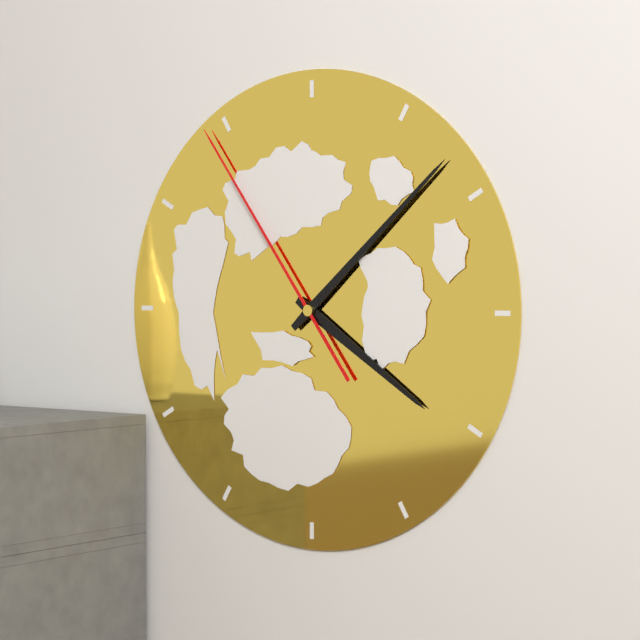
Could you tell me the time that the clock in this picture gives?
4:08:54
